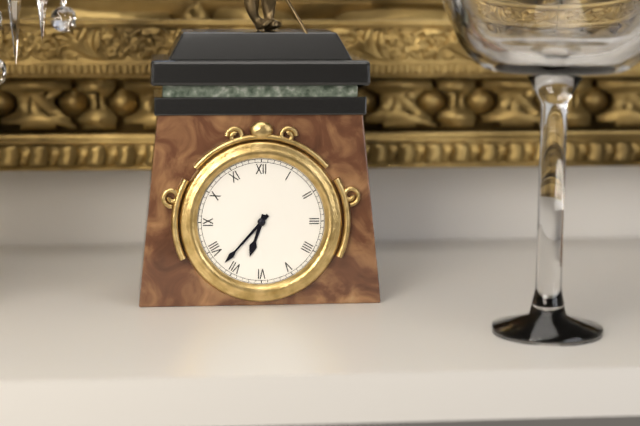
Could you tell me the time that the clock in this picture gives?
6:37
